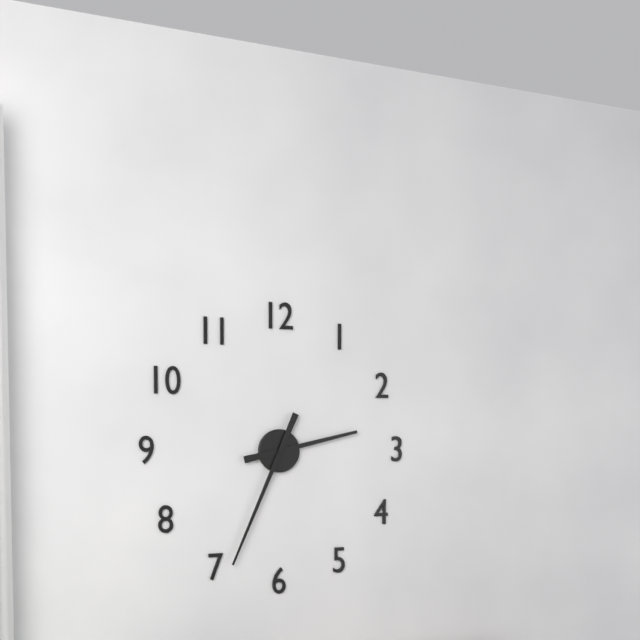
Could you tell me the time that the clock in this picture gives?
2:34
